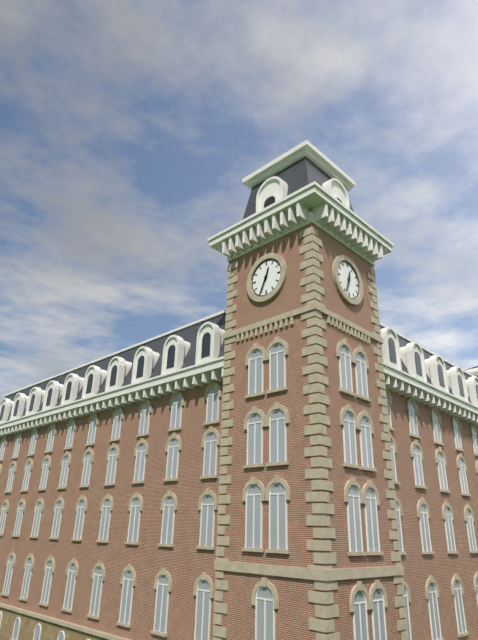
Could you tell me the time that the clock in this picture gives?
12:34
